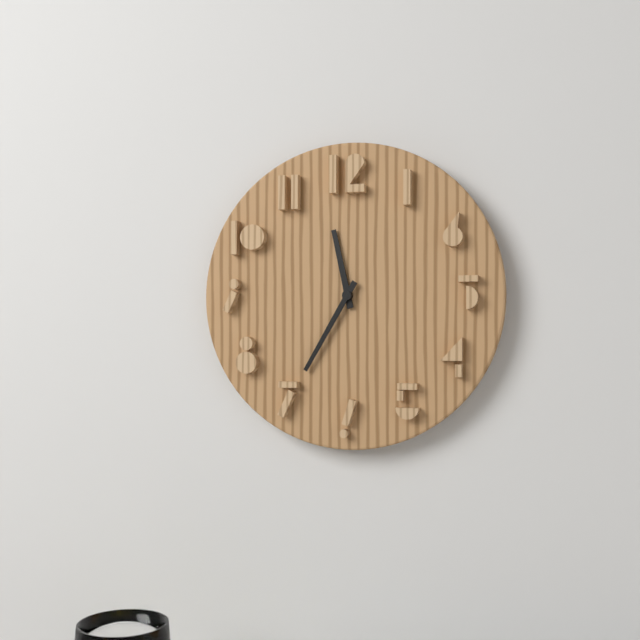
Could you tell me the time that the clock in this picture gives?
11:35
